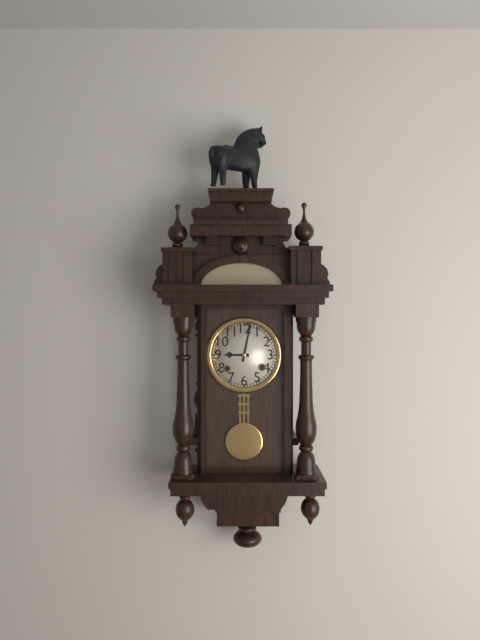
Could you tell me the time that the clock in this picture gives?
9:02
